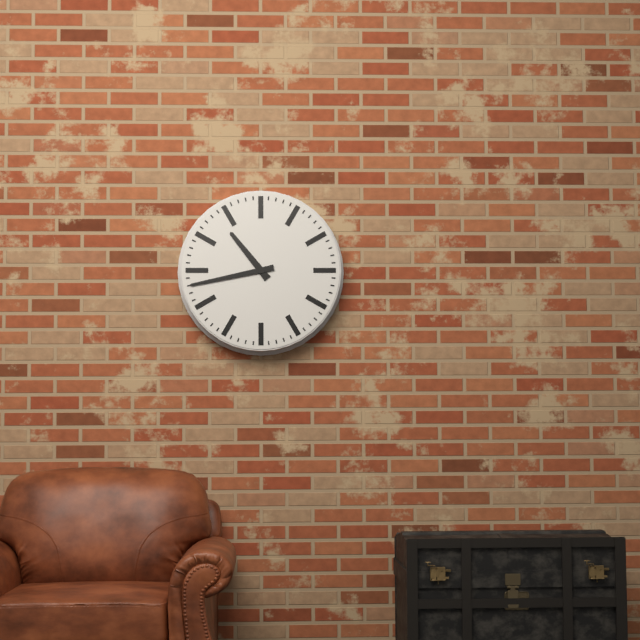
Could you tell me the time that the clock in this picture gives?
10:43
